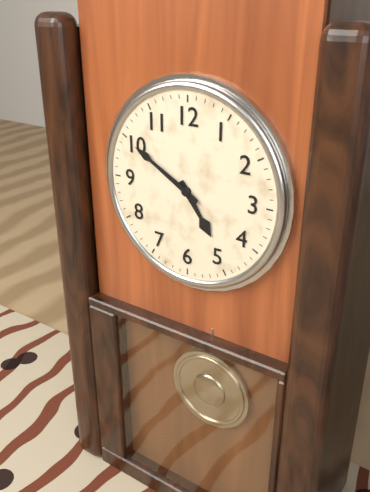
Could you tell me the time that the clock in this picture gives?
4:50
